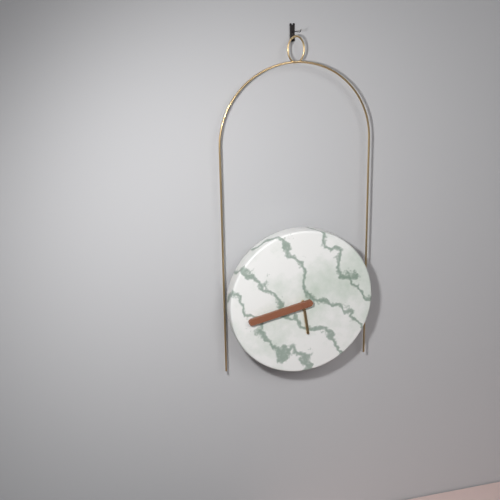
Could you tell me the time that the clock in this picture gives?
5:43
